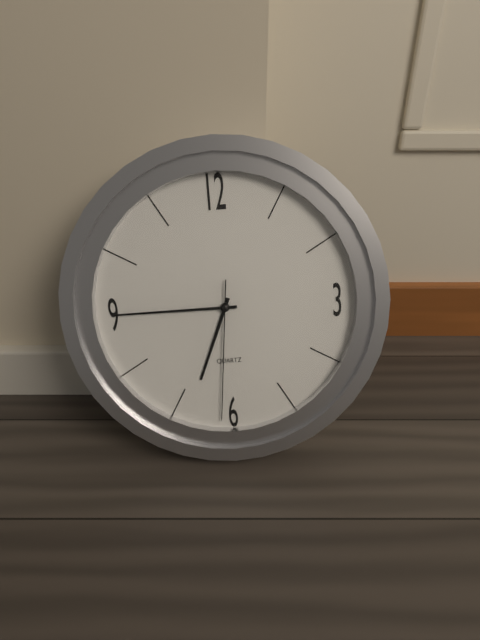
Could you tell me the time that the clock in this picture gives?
6:45:31
